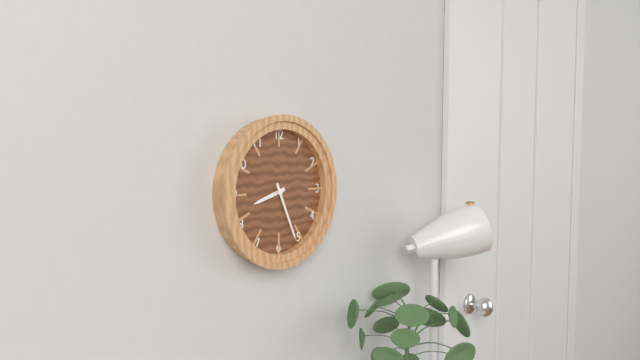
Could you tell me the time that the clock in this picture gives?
8:26
